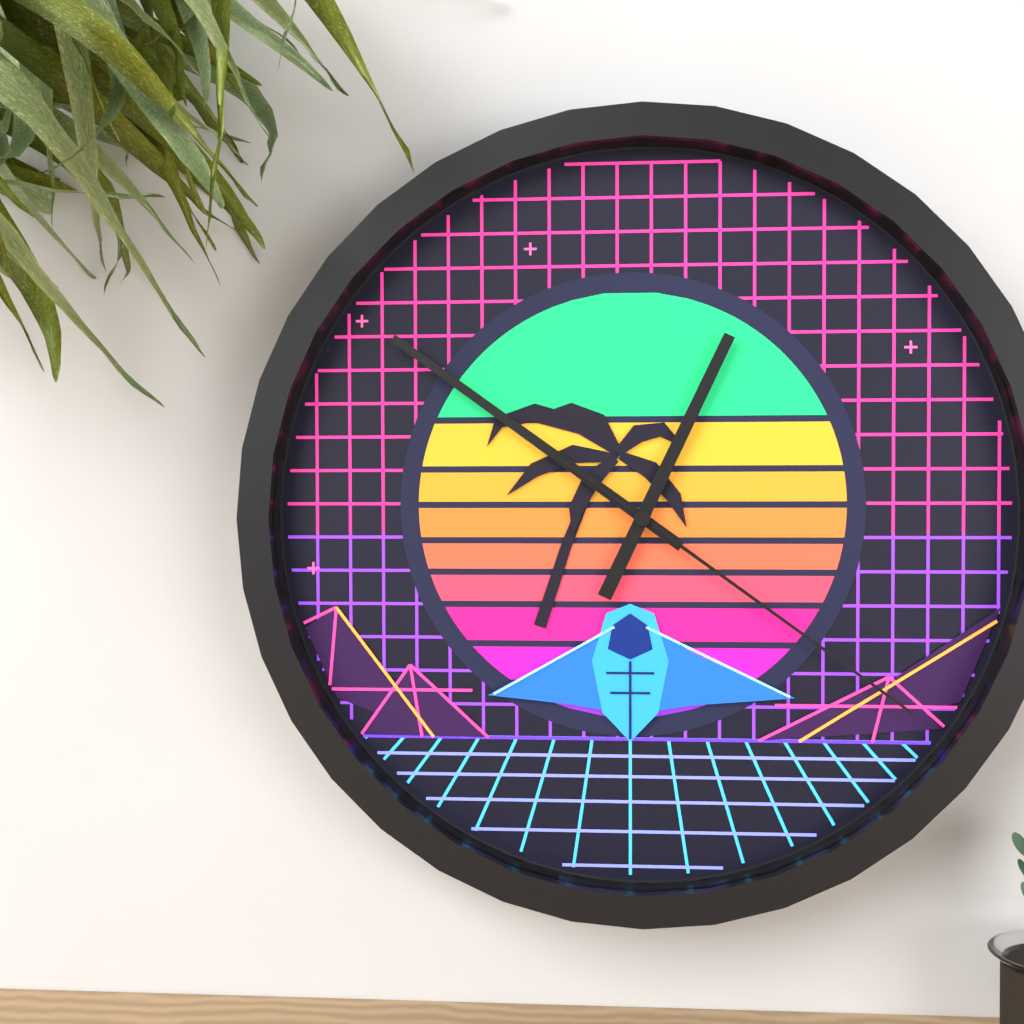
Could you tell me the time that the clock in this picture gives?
12:51:21
